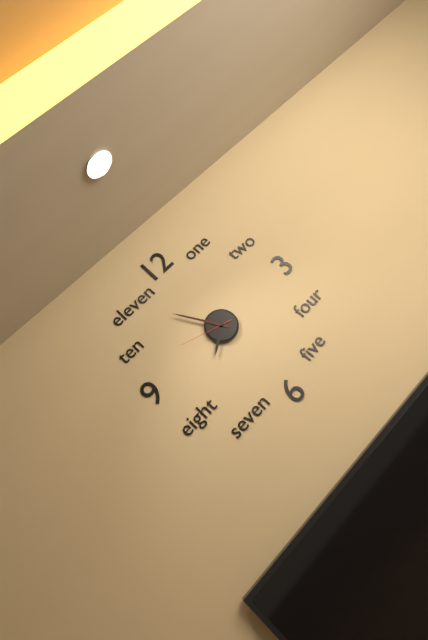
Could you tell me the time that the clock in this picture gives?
7:55:48
